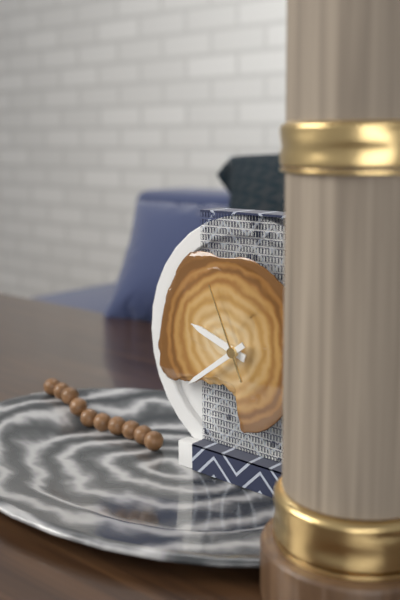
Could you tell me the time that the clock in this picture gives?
9:39:56
